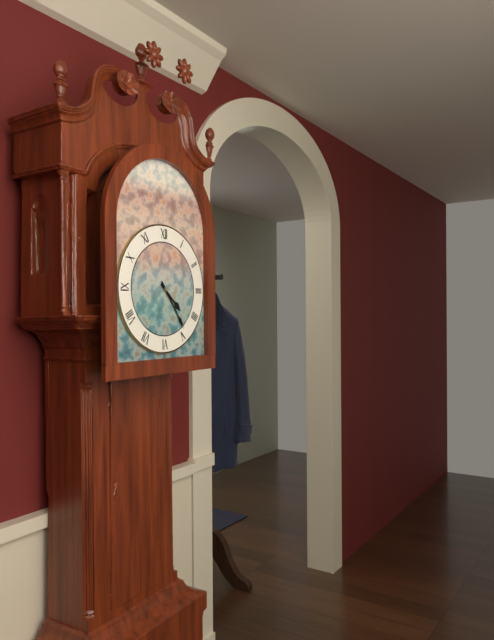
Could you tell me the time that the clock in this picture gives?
4:24
